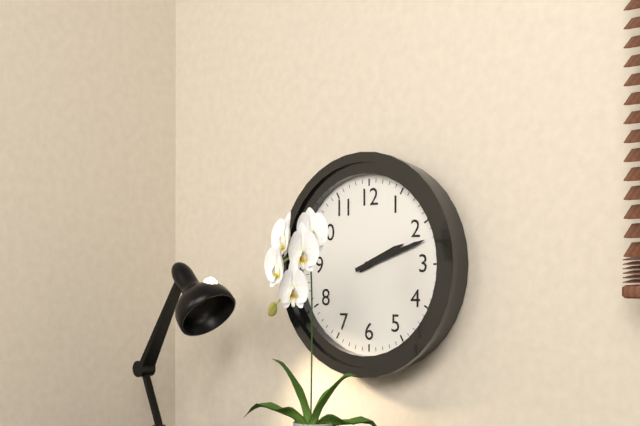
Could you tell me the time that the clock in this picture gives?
2:12
